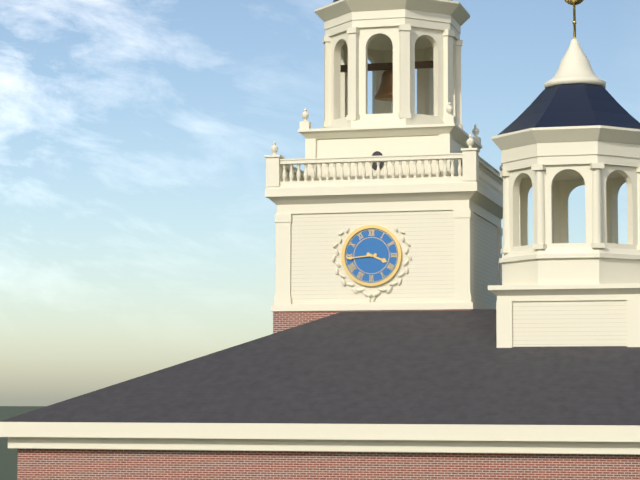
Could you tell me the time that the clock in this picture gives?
3:44
